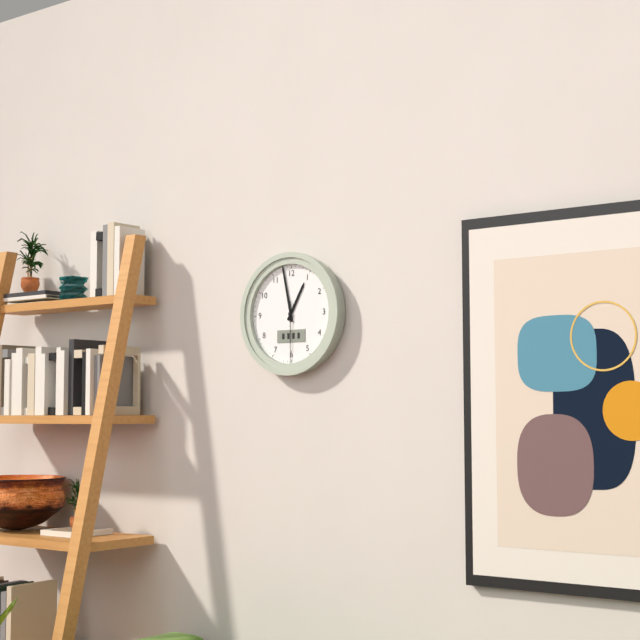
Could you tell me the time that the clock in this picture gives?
12:58:30
